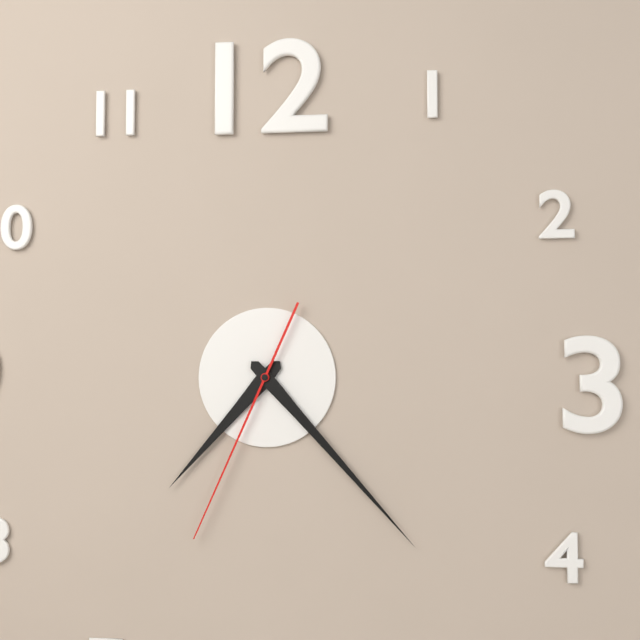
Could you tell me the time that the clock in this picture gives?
7:23:34
